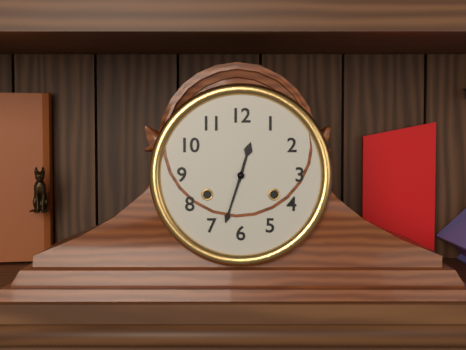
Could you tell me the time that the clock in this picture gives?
12:33
